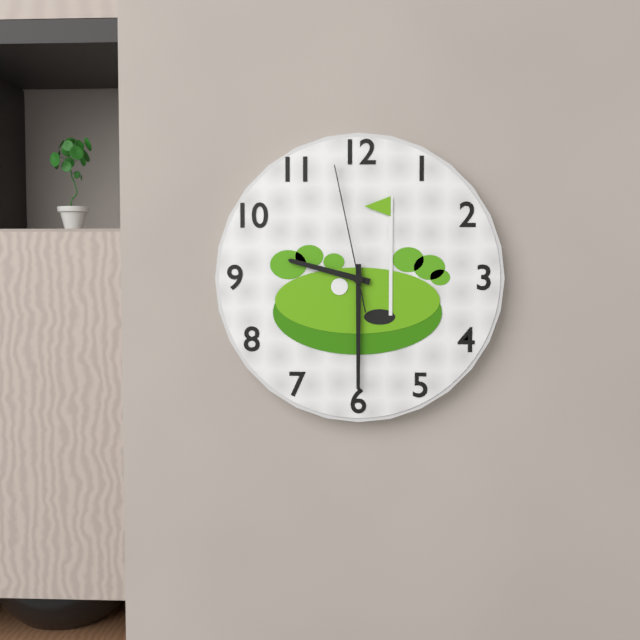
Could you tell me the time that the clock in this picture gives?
9:30:58
